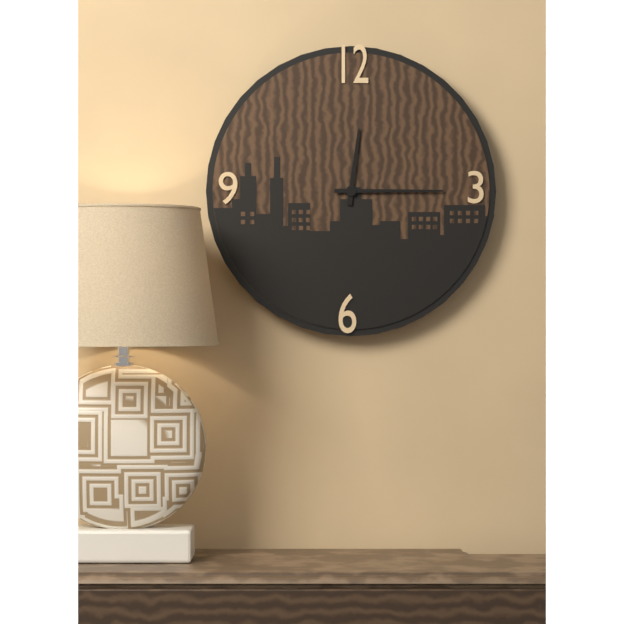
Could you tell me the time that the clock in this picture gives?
12:15
